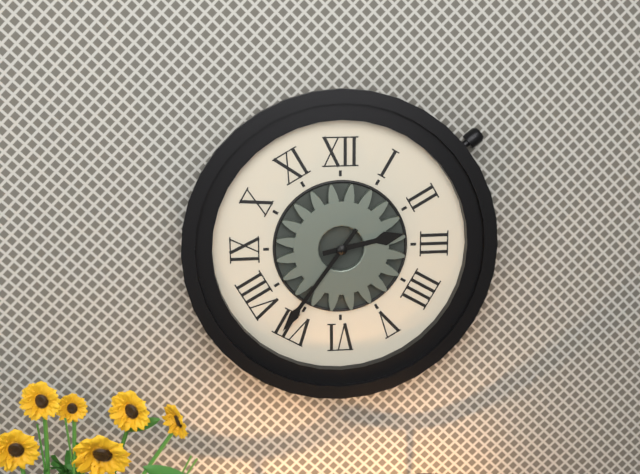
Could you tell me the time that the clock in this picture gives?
2:36
